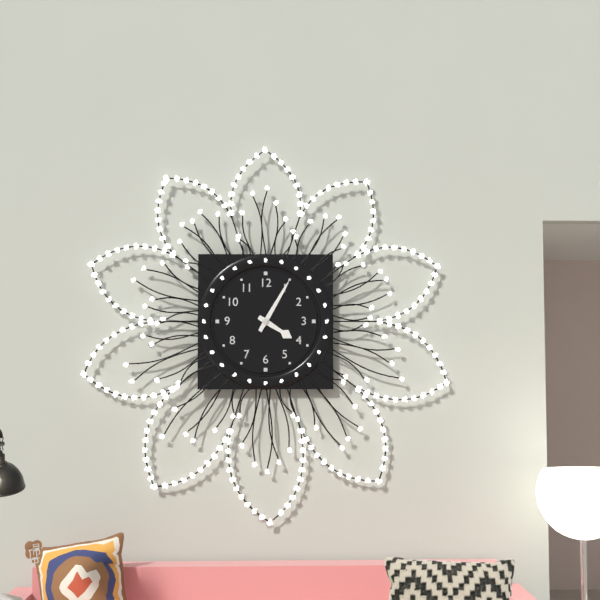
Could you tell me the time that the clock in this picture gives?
4:05
